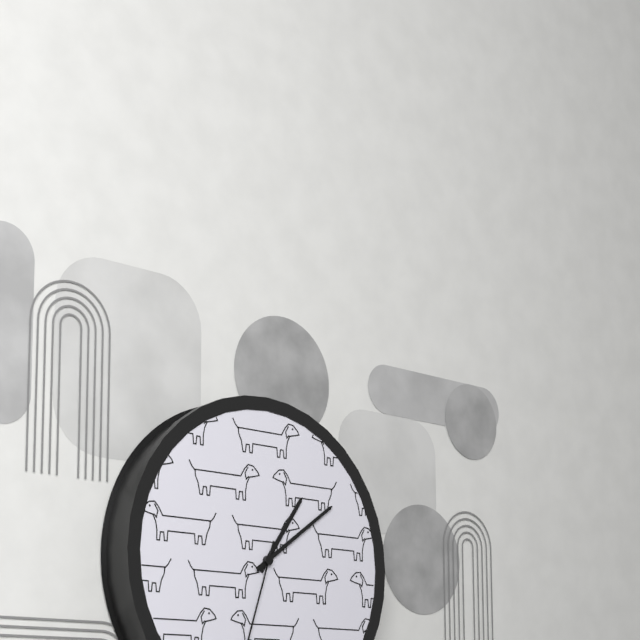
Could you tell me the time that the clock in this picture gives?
1:09
